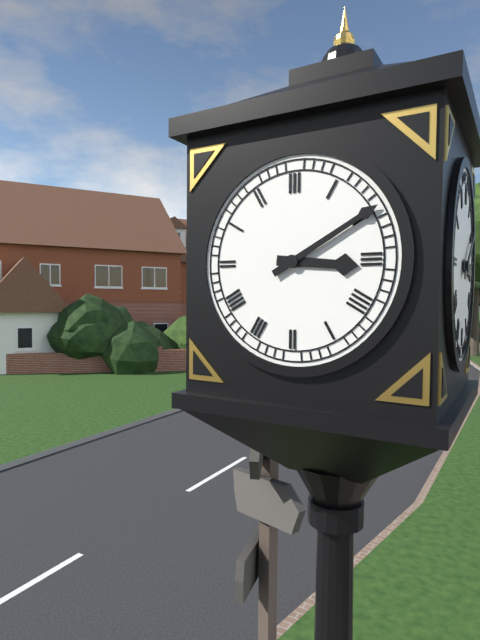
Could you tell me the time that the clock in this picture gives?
3:10
